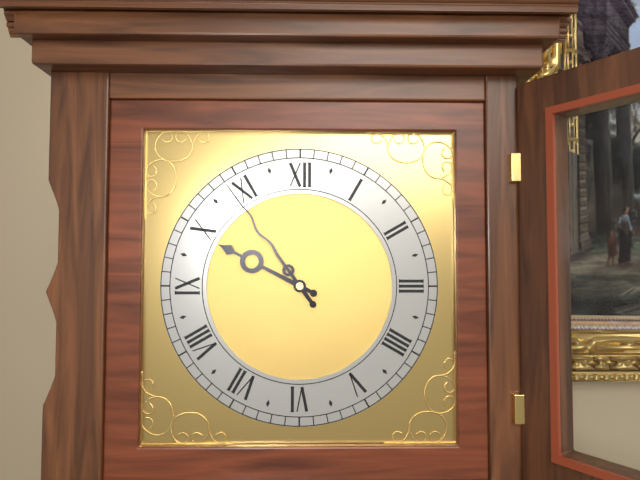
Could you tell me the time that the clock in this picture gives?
9:54
